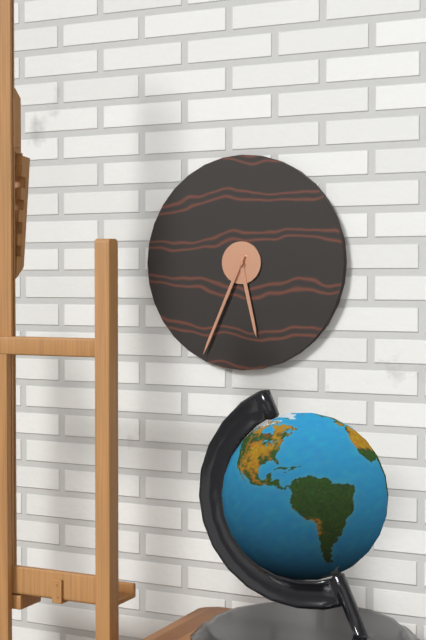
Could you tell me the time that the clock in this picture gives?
5:34
